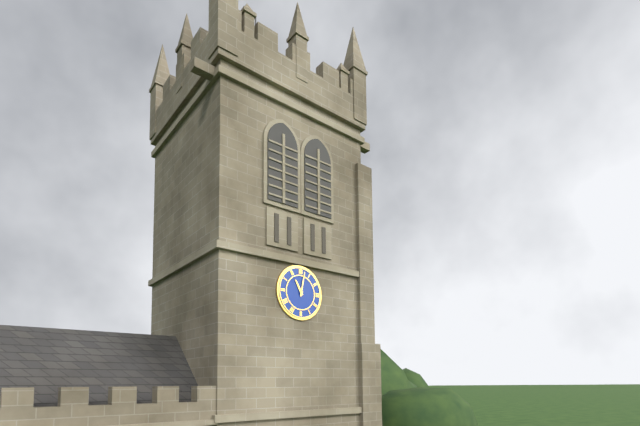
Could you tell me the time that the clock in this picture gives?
11:02
